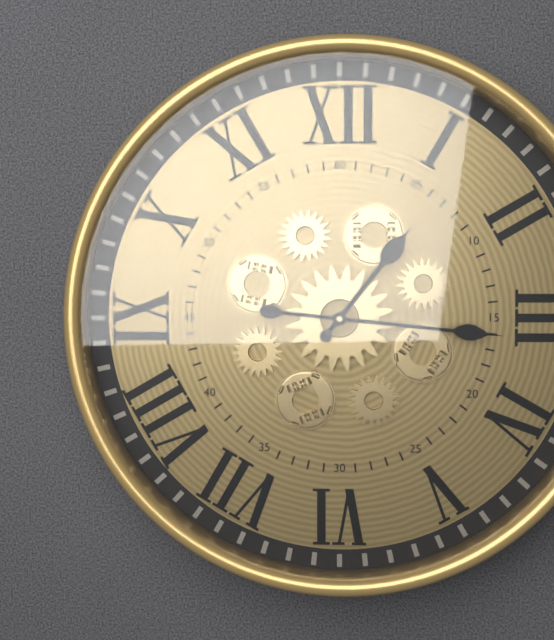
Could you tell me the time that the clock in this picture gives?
1:16
